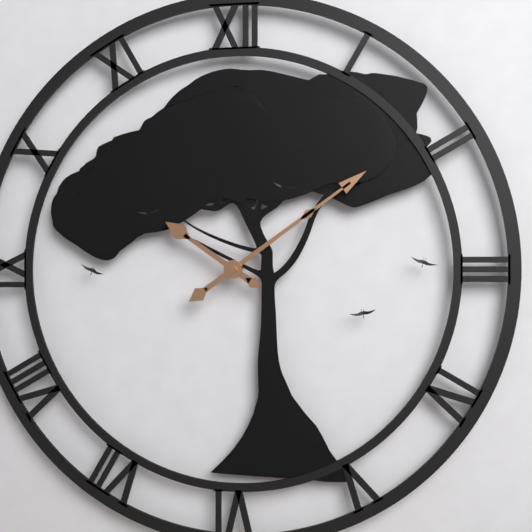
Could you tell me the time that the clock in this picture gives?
10:09
